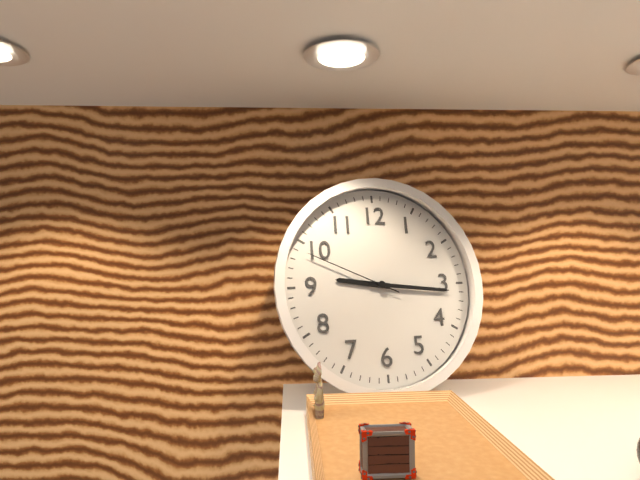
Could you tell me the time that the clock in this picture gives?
9:16:49
